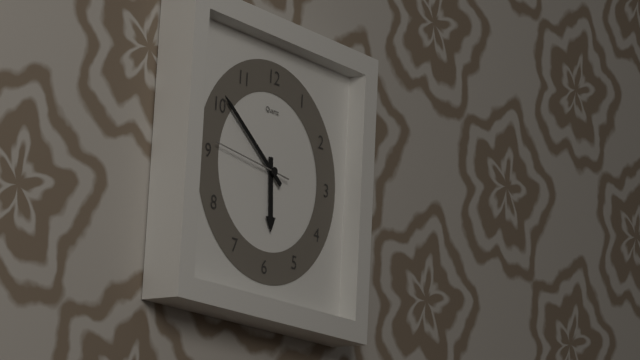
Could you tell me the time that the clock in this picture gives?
5:51:46
